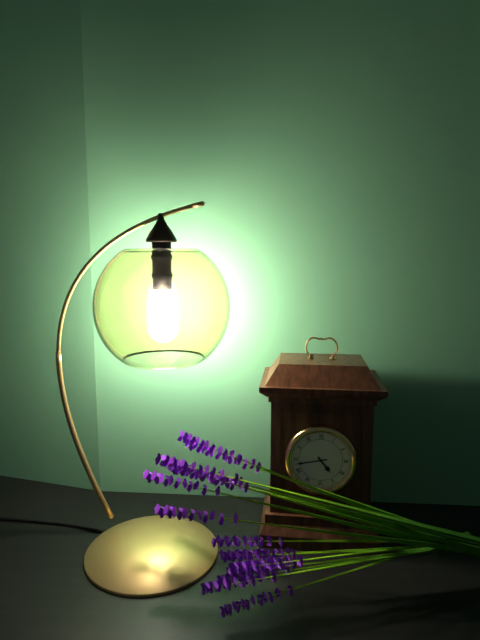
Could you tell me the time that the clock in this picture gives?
4:43
